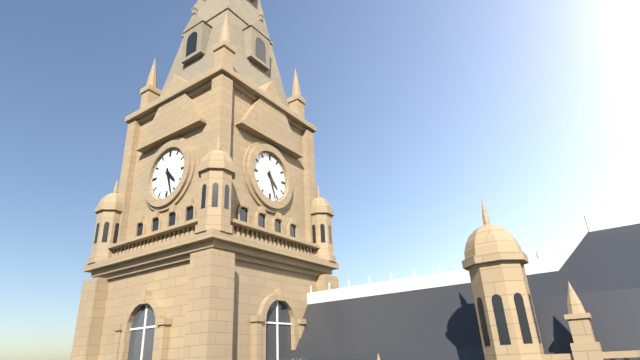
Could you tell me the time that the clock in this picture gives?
4:27
